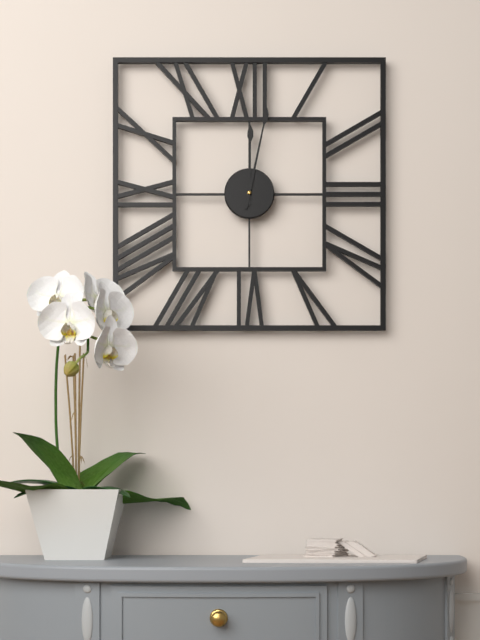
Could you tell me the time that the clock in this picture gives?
12:02
